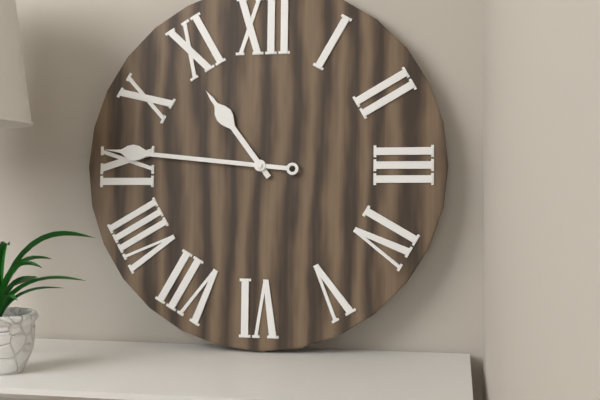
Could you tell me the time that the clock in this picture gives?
10:46
